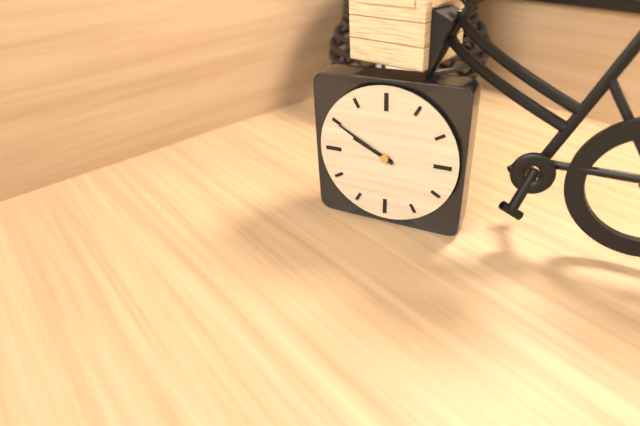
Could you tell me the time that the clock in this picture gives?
9:50
